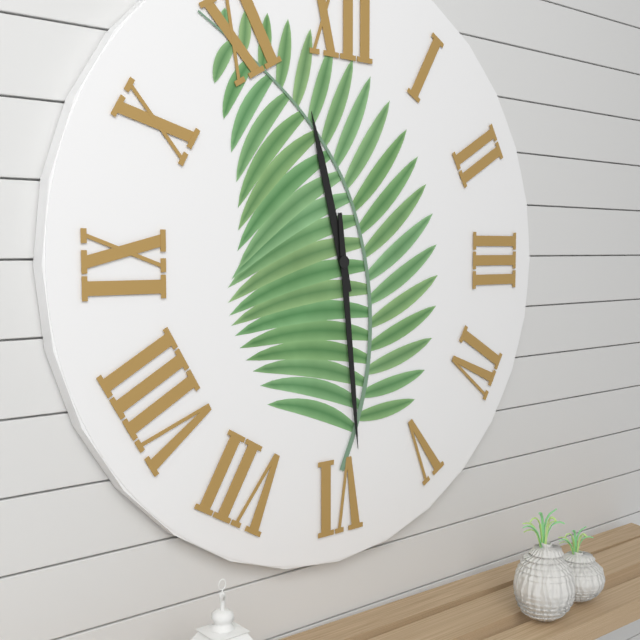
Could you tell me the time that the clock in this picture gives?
11:29
